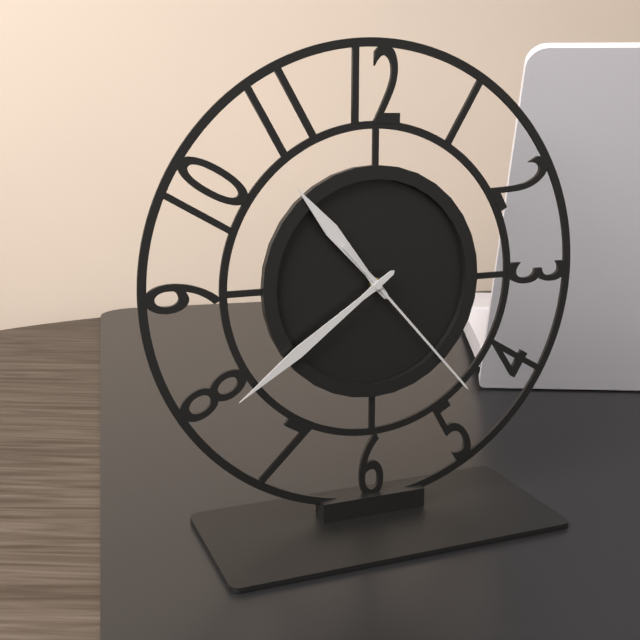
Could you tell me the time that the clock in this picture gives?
10:39:23
